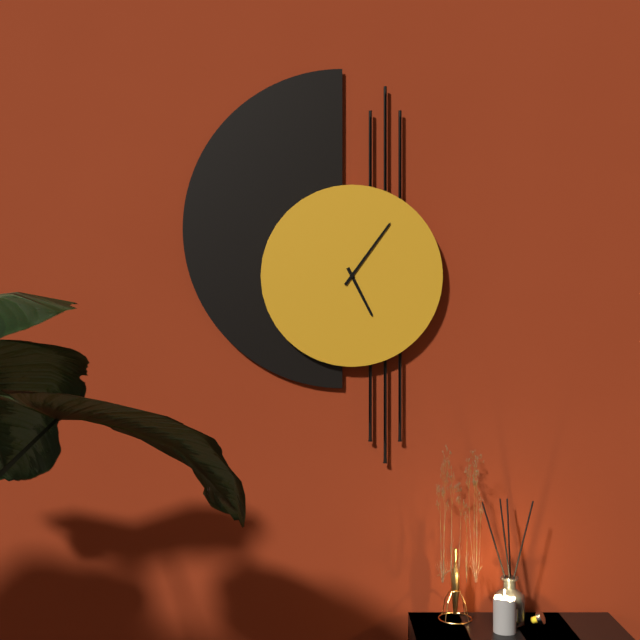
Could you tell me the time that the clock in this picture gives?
5:06
